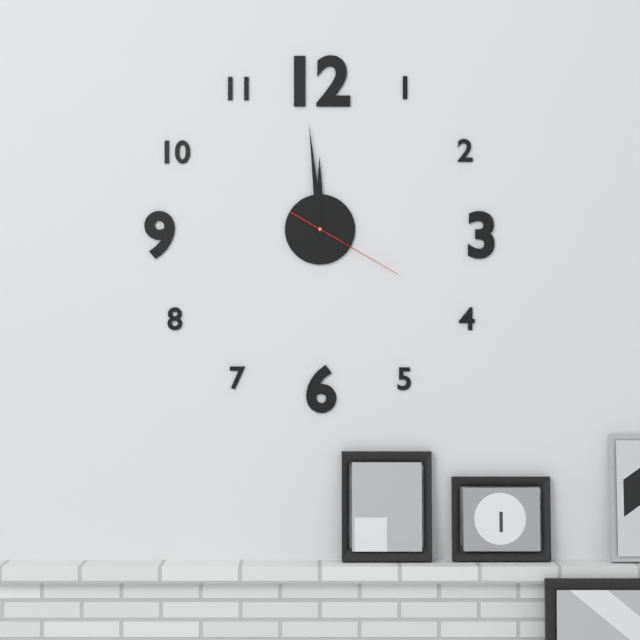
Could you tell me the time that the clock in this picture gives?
11:59:20
